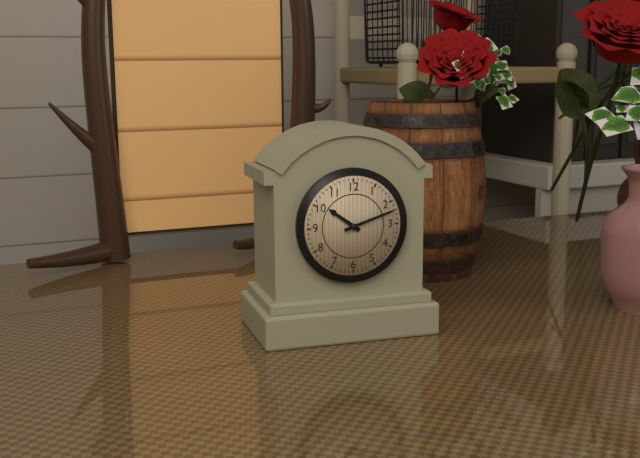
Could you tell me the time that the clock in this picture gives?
10:12
